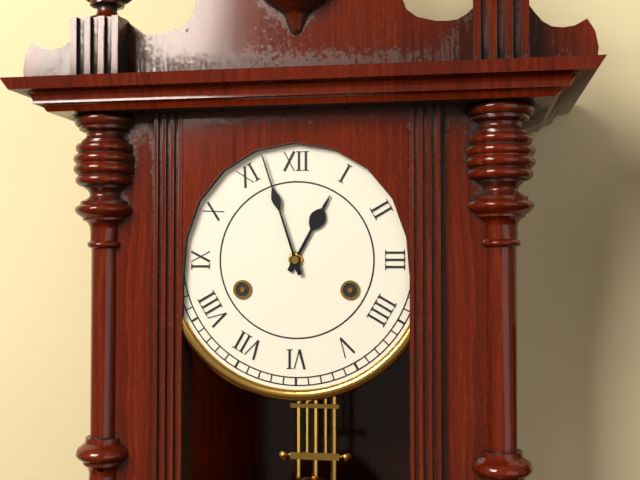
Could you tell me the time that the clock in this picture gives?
12:57
